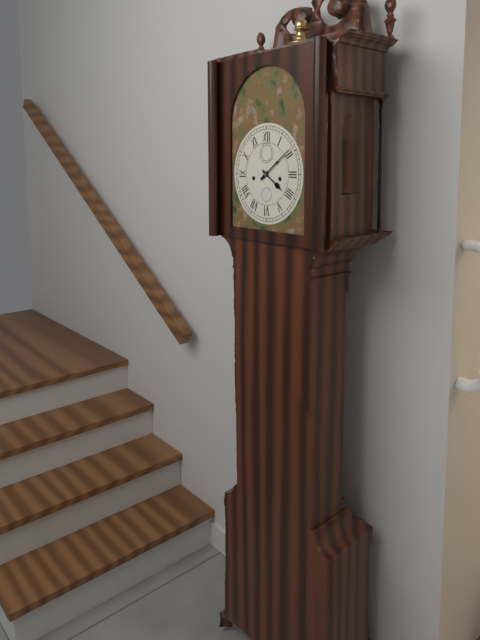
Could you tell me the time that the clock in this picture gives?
4:09
